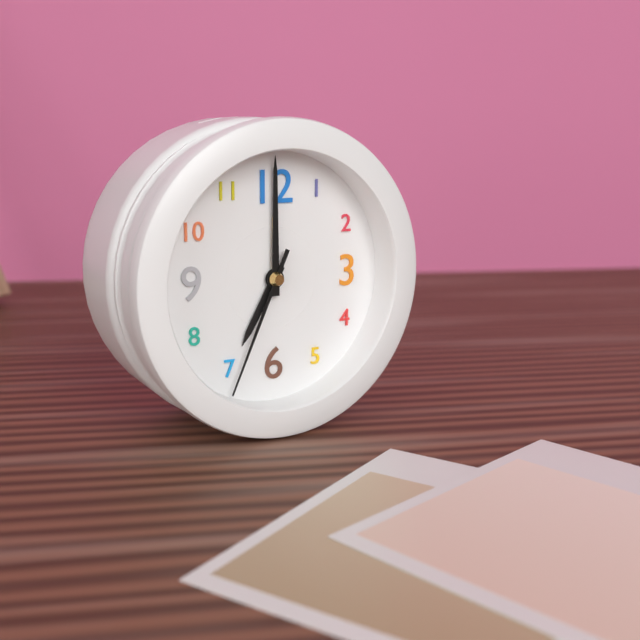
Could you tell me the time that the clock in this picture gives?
7:00:34
